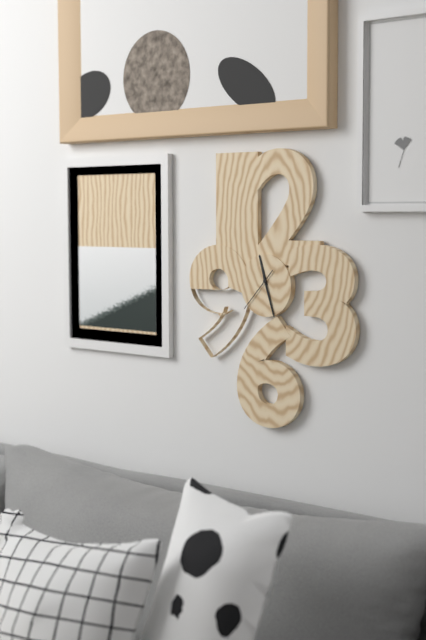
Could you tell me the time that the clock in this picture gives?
11:27
